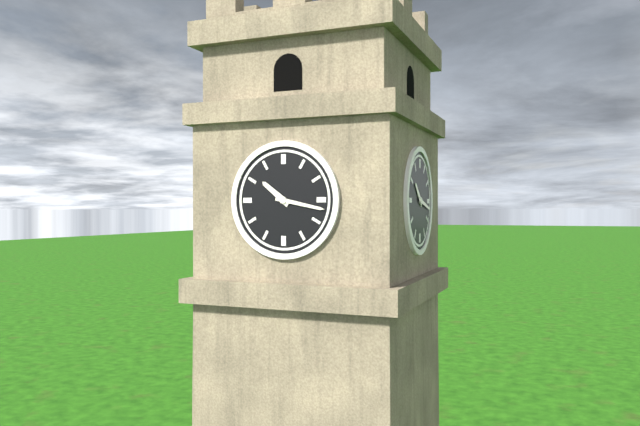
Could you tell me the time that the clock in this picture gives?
10:17
